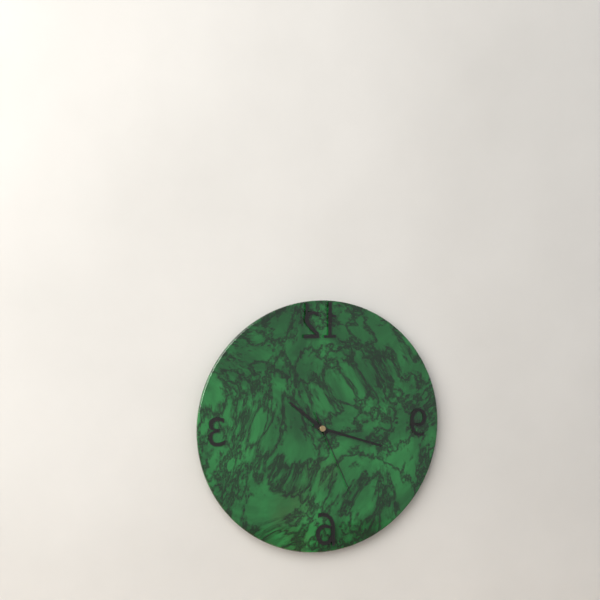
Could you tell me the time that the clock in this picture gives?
10:18:26
